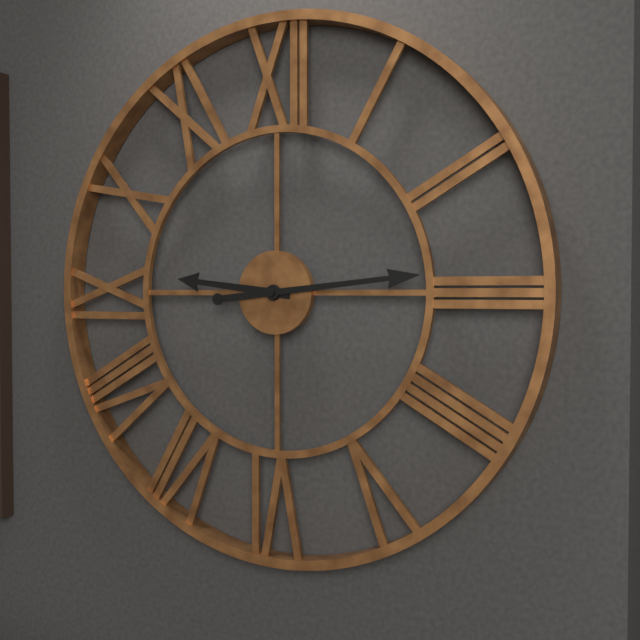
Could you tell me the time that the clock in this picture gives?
9:14
